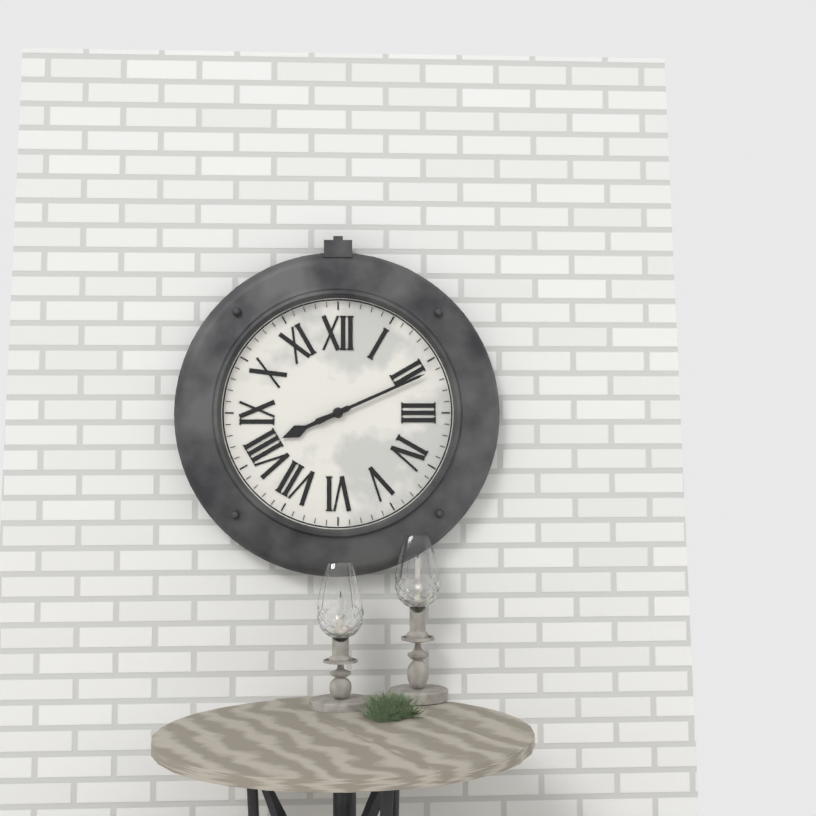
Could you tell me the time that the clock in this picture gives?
8:11
